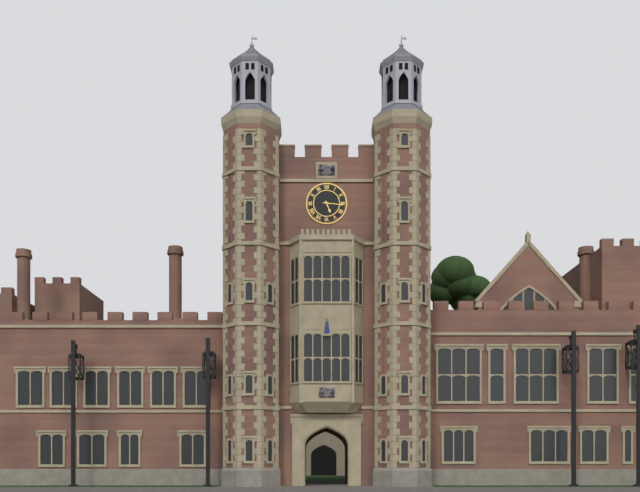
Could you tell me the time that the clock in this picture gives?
5:16
